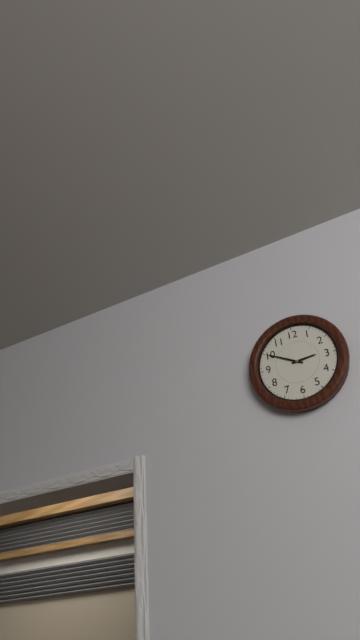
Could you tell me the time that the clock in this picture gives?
2:50
